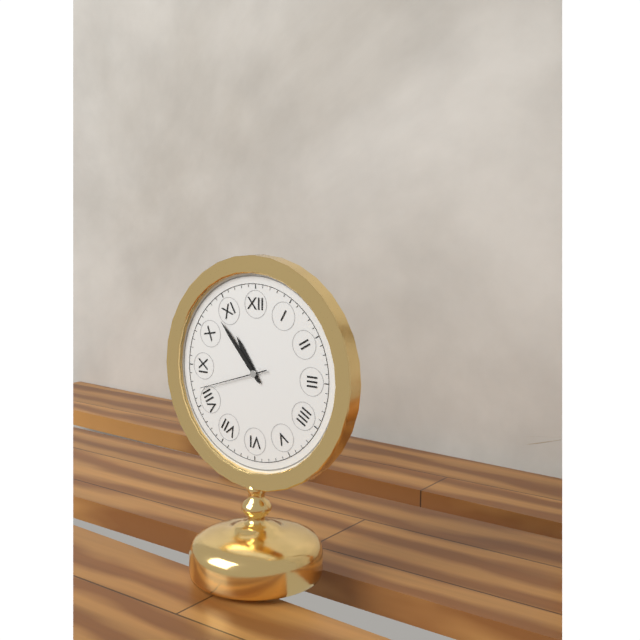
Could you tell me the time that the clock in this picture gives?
10:53:42
